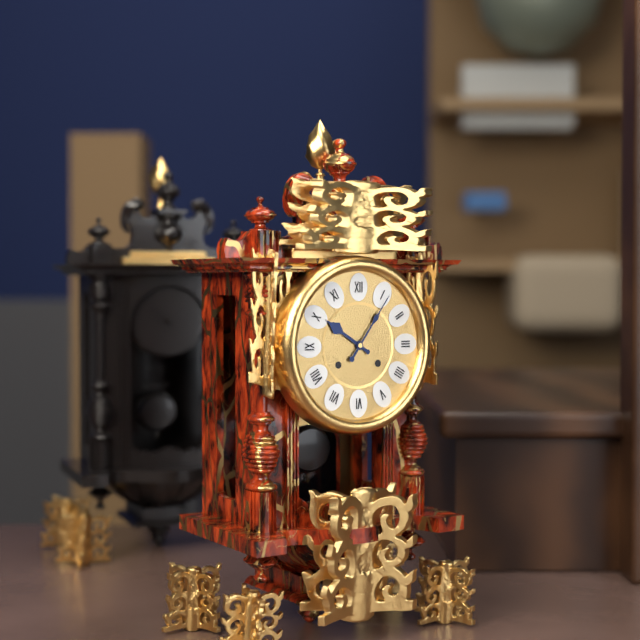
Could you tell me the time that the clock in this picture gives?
10:06
